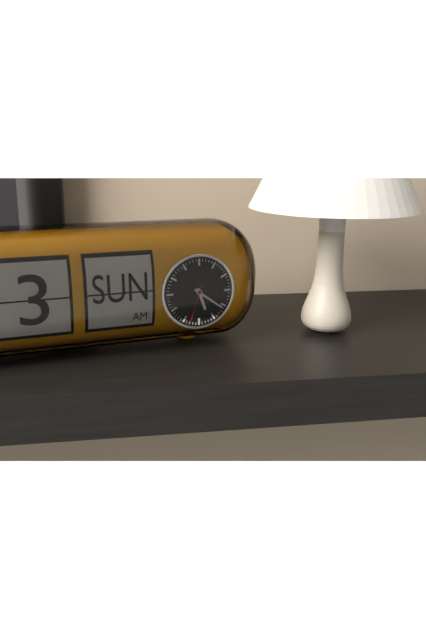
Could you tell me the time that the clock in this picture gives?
5:21:33
